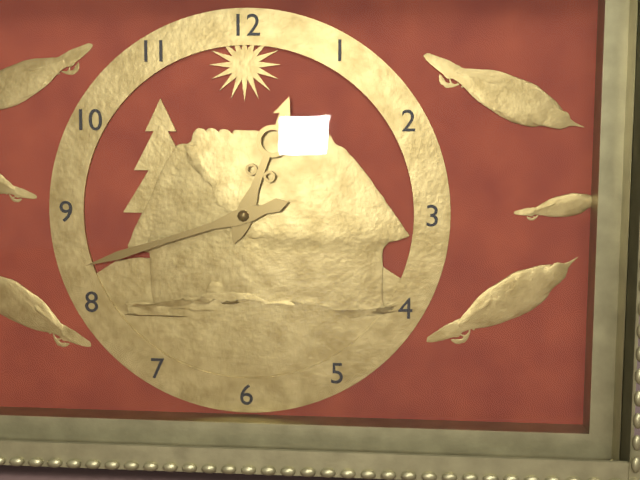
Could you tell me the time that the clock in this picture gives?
12:42
